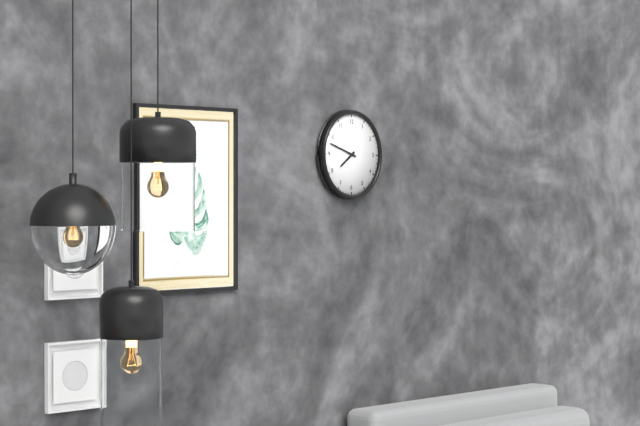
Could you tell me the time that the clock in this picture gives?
7:48
